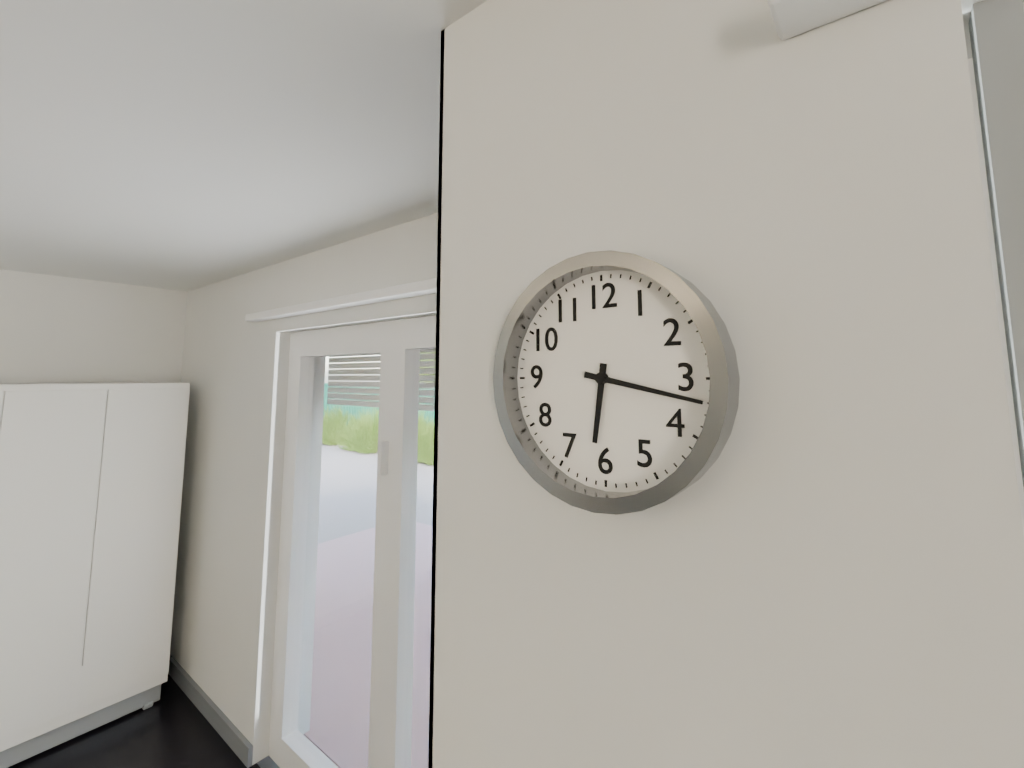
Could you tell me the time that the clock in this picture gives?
6:17
